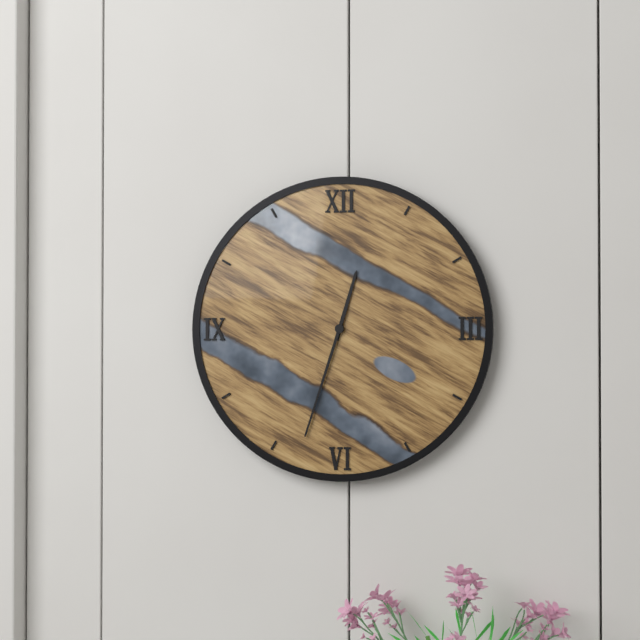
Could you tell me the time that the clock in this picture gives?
12:33
